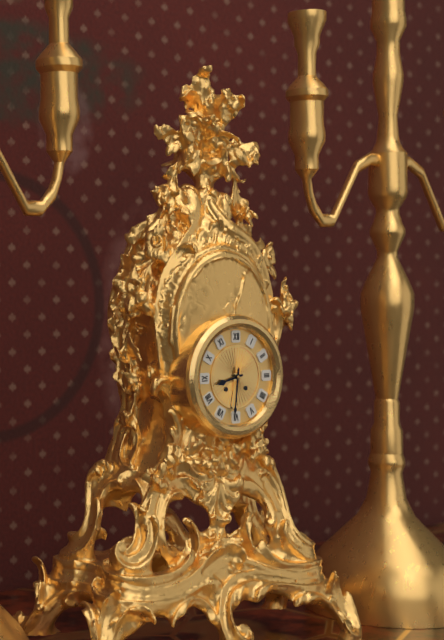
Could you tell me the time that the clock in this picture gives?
8:31
